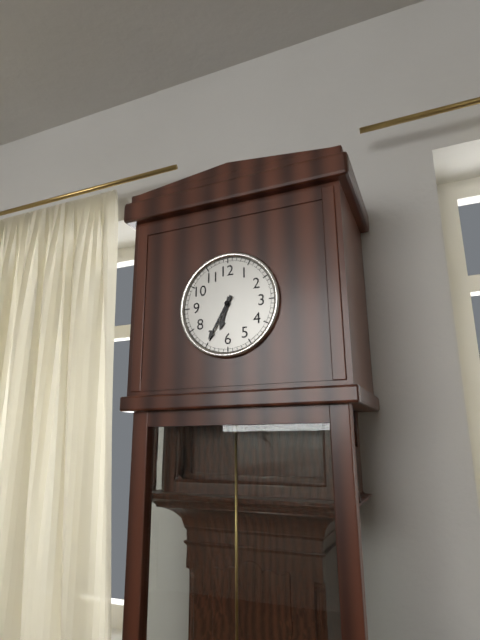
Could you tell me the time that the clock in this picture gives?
6:35
